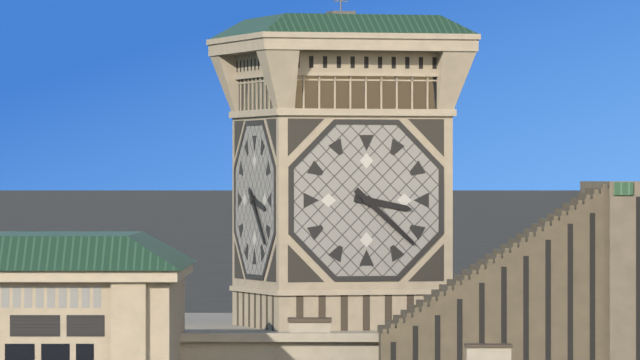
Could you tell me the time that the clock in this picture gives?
3:22
